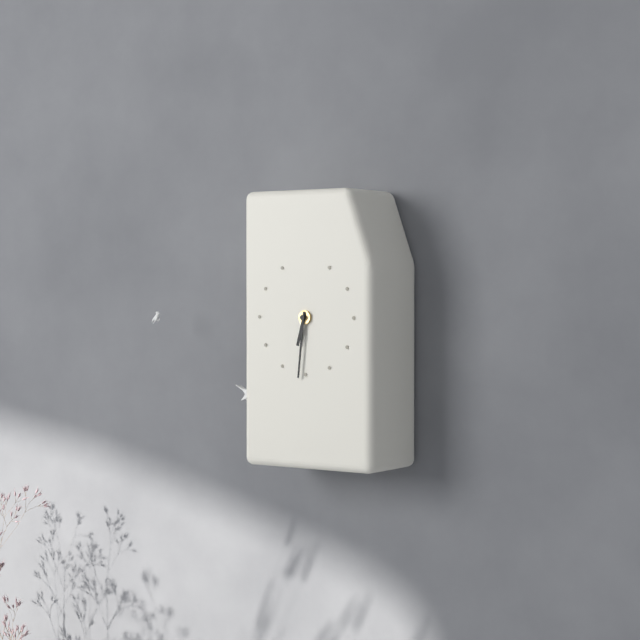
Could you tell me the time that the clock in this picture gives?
6:31
